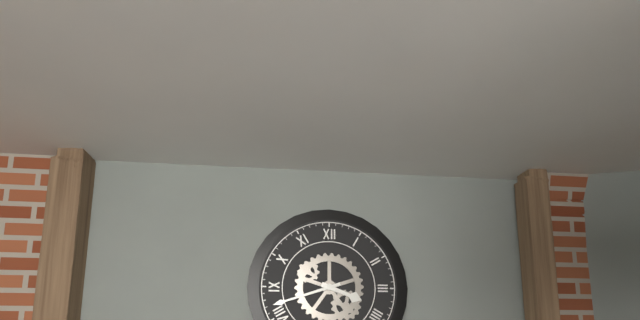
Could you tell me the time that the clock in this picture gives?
3:42
